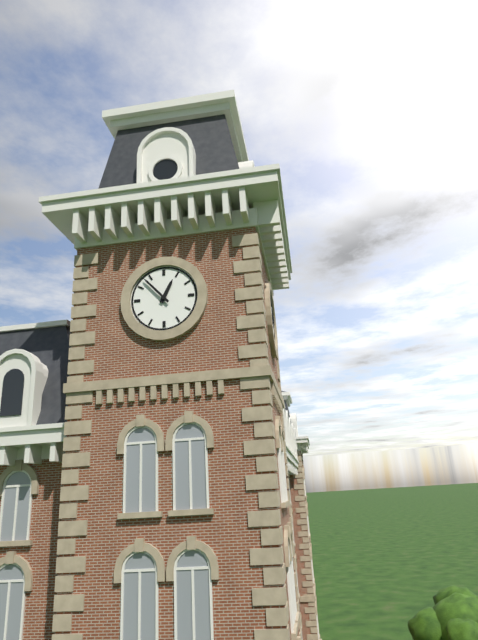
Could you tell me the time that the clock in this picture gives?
12:53
